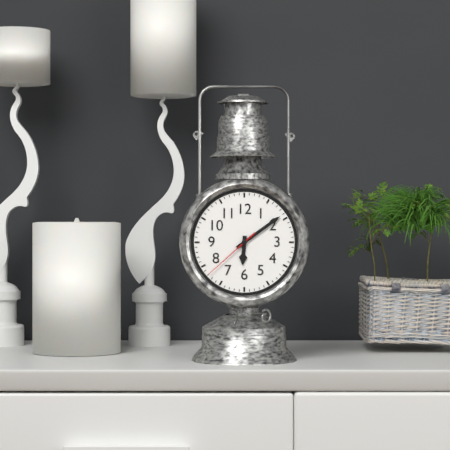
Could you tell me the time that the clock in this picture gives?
6:09:38
